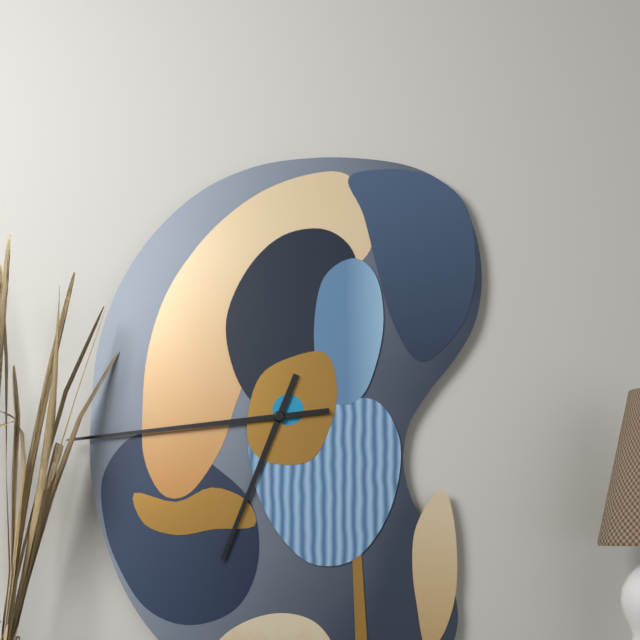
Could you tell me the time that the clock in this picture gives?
6:44
